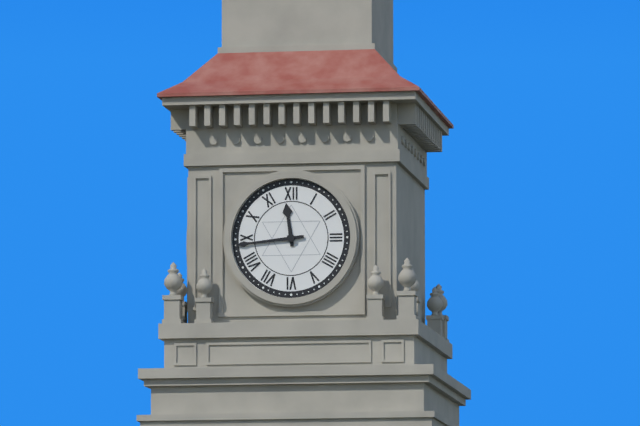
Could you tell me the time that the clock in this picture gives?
11:44
